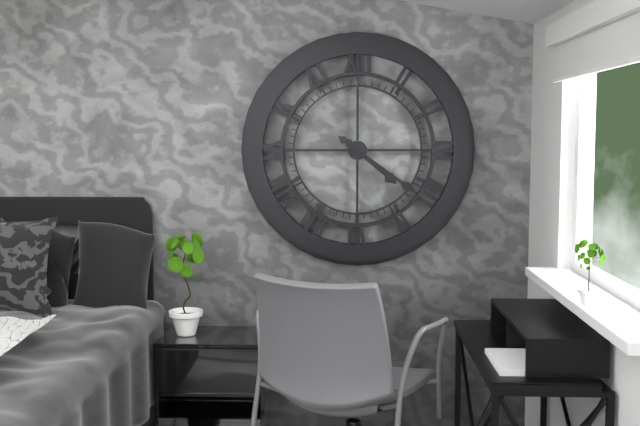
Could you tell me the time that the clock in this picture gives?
4:21
